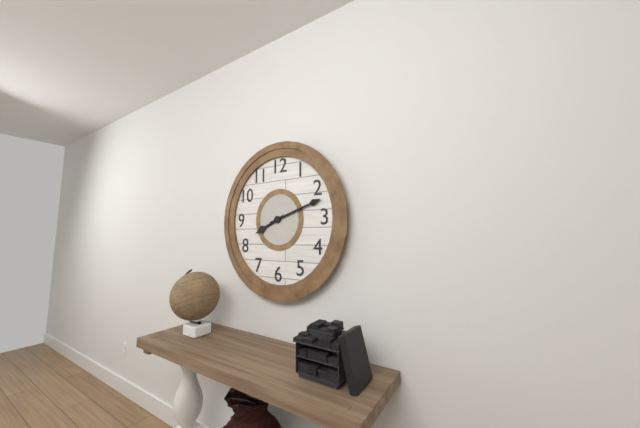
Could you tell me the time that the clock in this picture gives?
8:12
